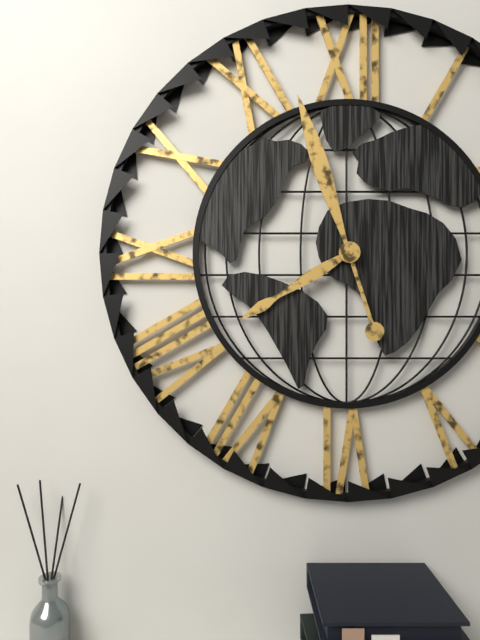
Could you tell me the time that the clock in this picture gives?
7:57
